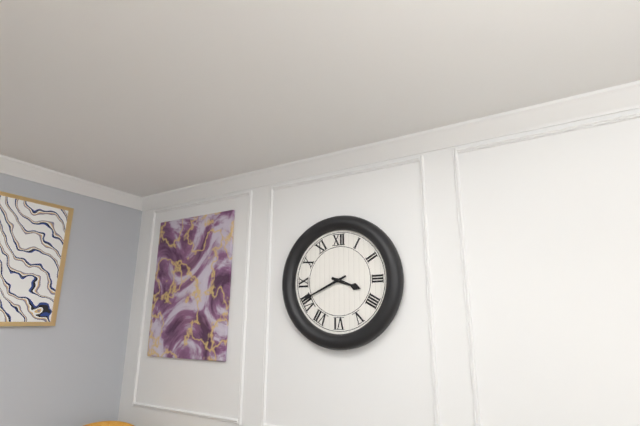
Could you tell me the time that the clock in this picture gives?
3:41
